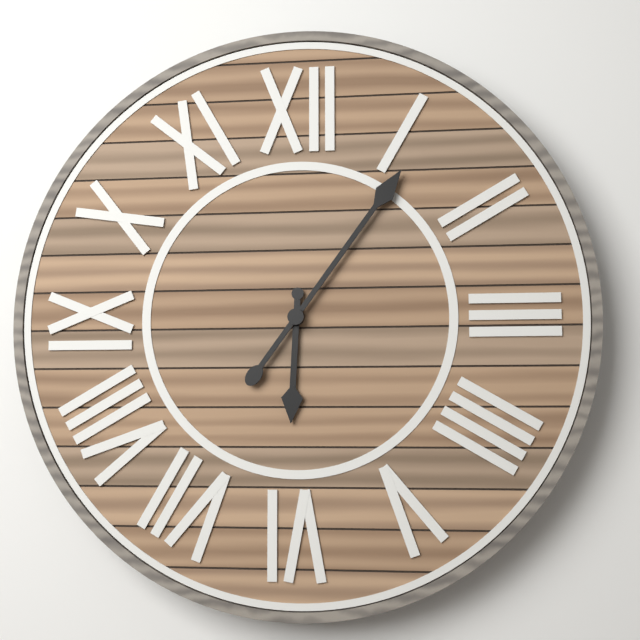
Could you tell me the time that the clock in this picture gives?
6:06
